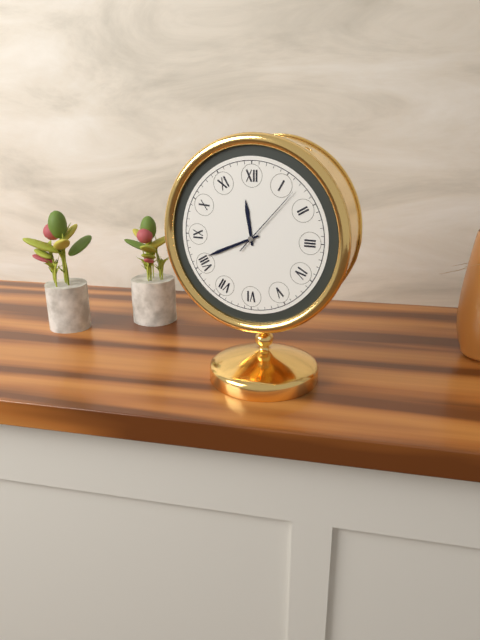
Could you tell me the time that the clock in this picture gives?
11:41:07
